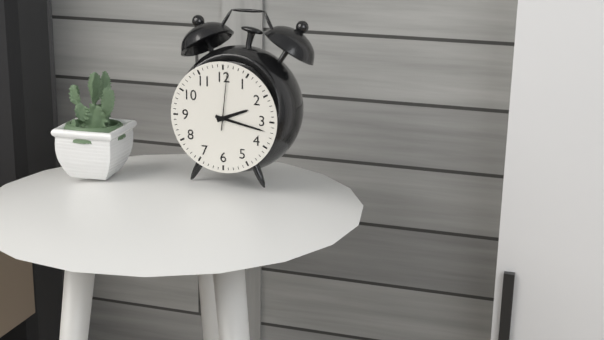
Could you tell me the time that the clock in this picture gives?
2:17:01
